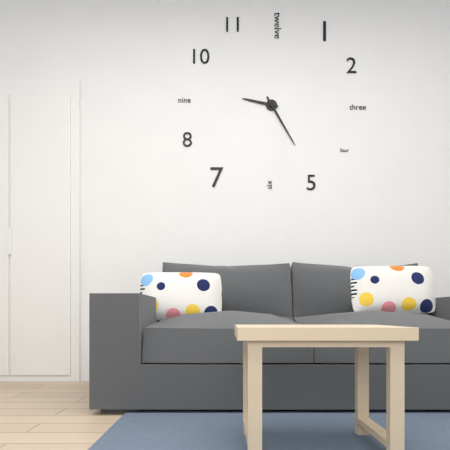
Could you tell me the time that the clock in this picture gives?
9:25
